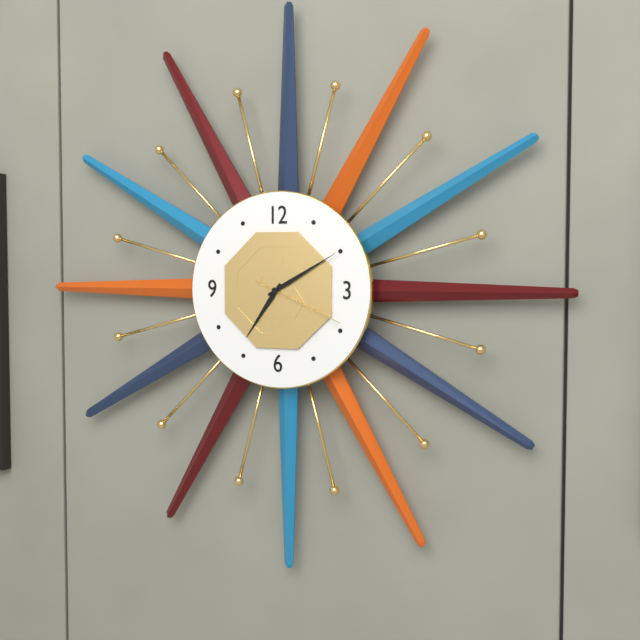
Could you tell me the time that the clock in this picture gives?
7:10:19
